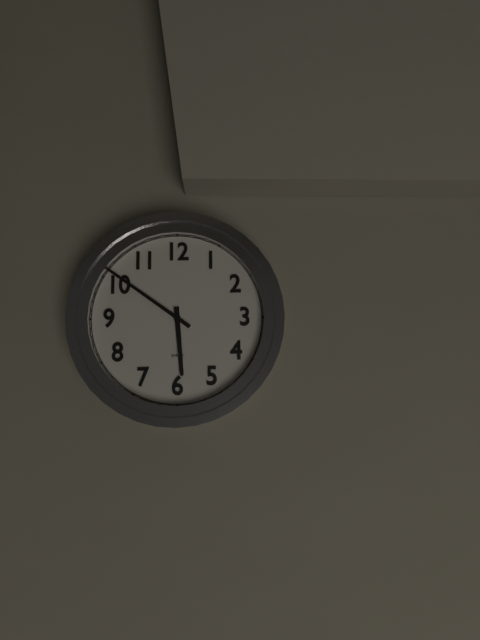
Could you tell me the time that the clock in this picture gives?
5:51
